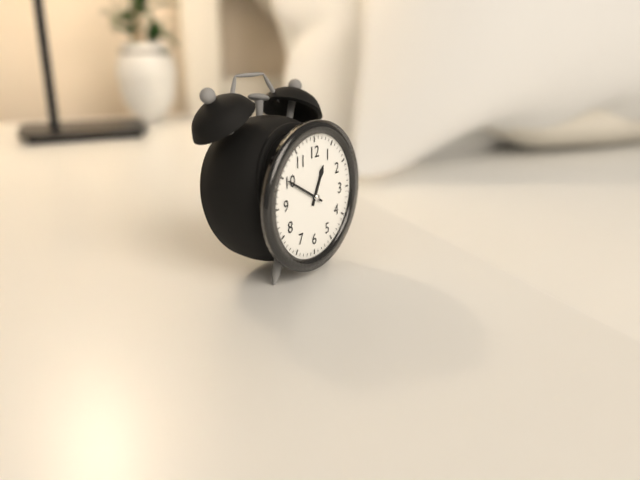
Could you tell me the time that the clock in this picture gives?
12:50
